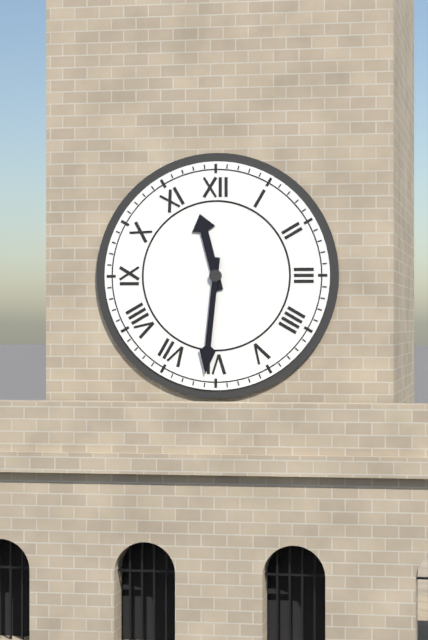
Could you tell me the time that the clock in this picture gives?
11:31
